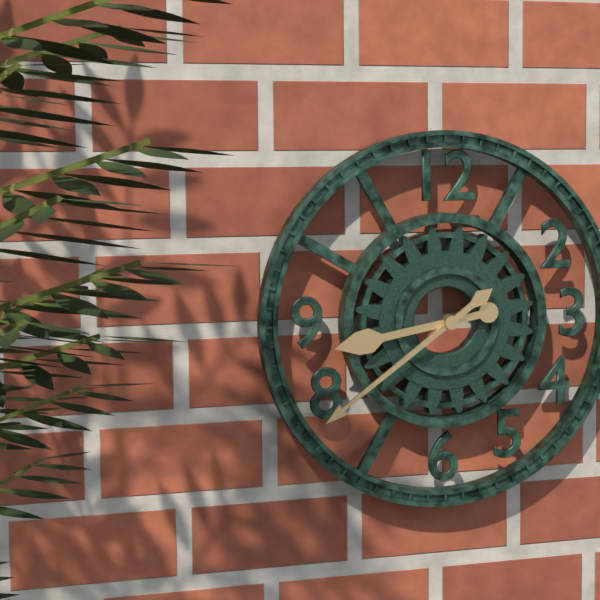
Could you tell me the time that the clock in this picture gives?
8:39
